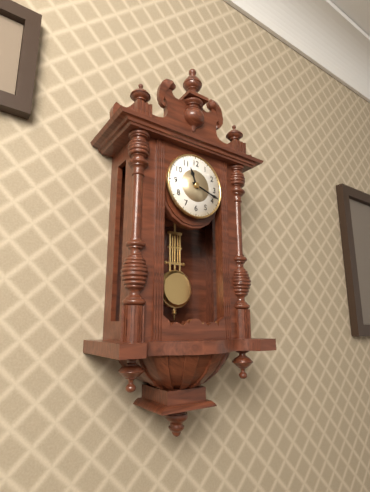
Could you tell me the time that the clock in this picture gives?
11:18
